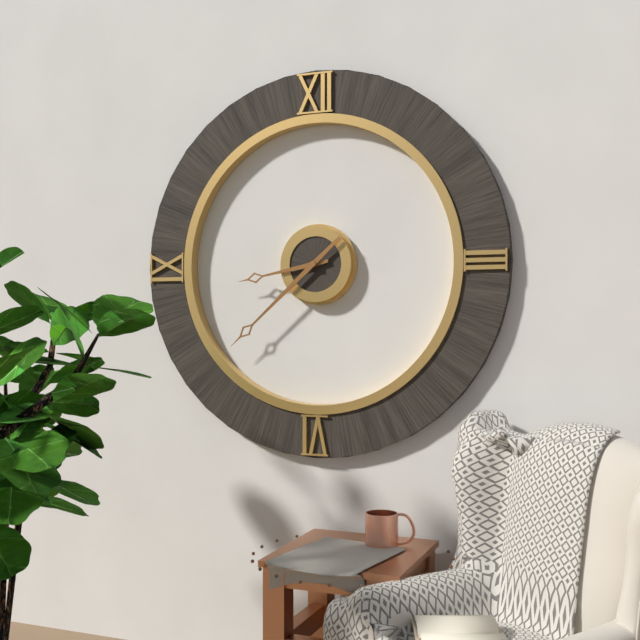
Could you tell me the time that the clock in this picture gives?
8:38
